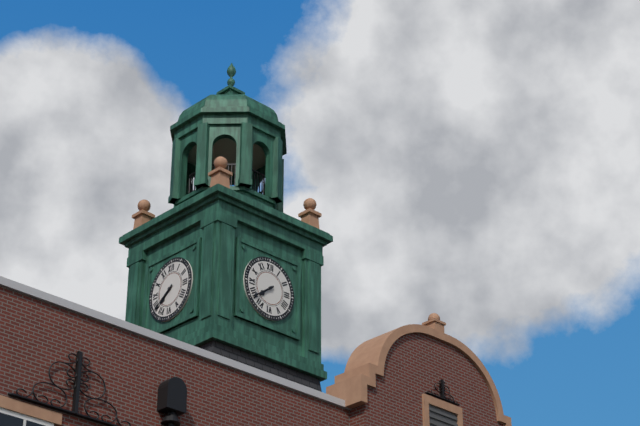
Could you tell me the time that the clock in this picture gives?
7:39
